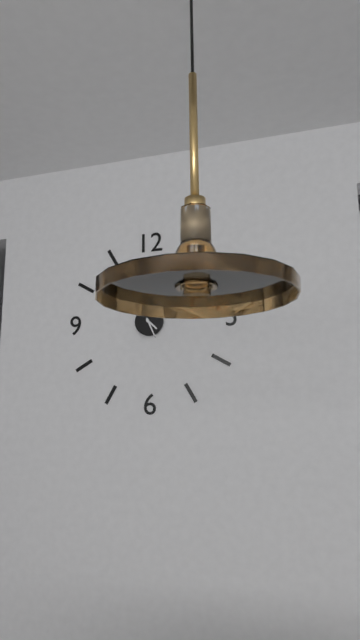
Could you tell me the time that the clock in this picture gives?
4:26
